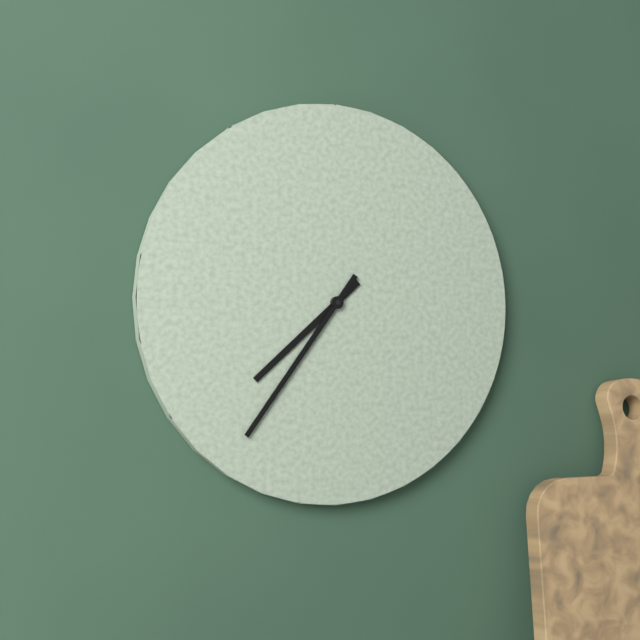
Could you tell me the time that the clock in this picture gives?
7:36
